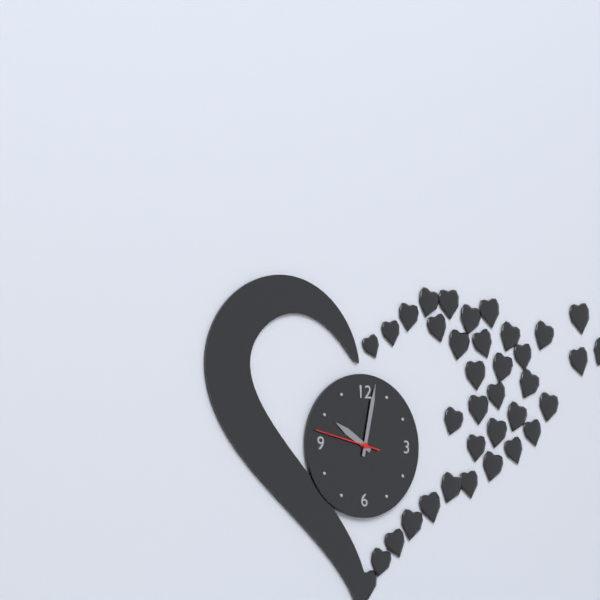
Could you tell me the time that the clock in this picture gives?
10:02:47
